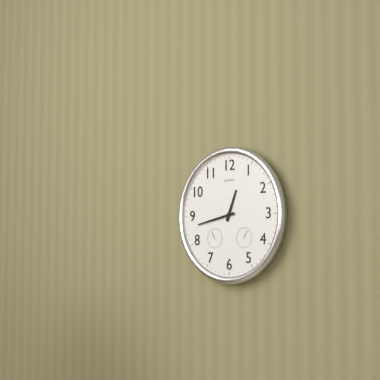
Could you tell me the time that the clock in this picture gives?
12:43
